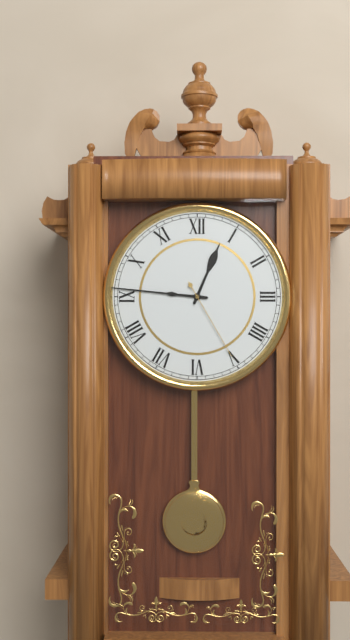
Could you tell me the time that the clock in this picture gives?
12:46:25
